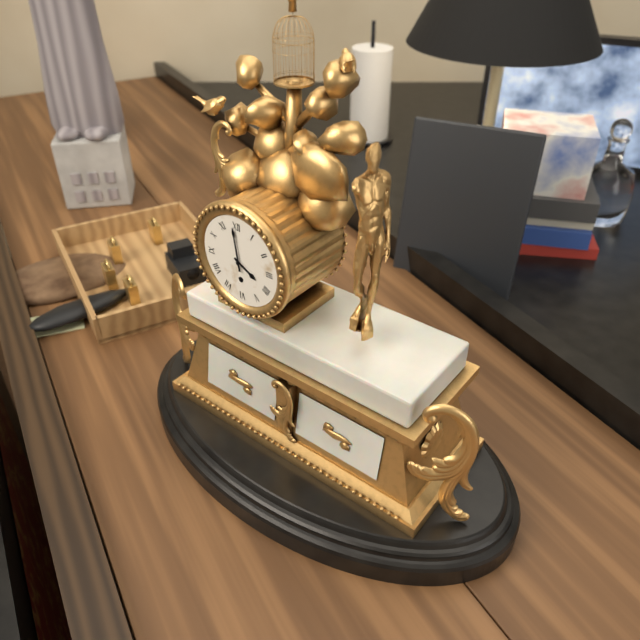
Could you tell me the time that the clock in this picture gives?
3:59
